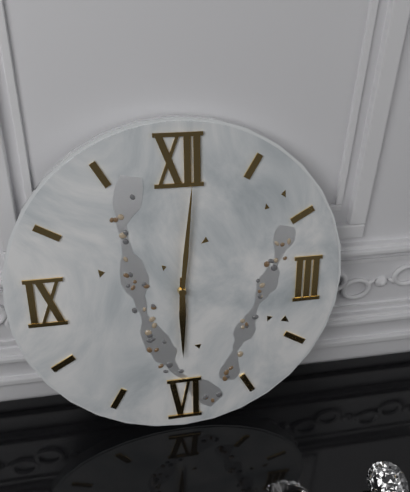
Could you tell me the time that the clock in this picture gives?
6:01
